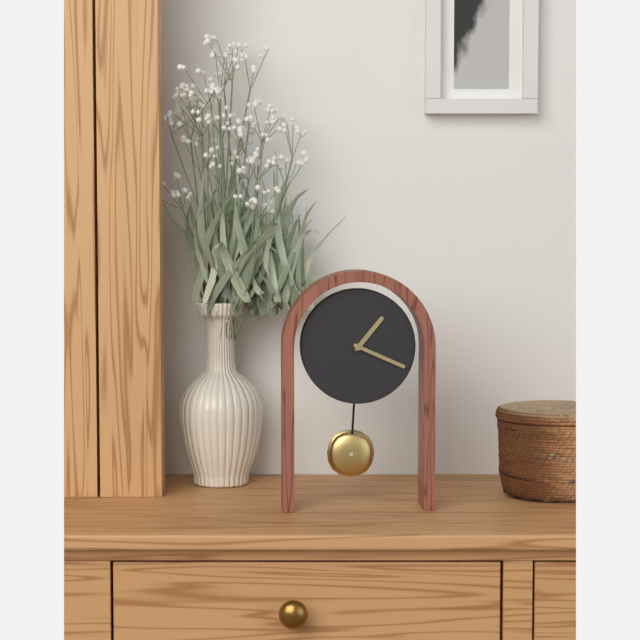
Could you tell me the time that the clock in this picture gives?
1:19
